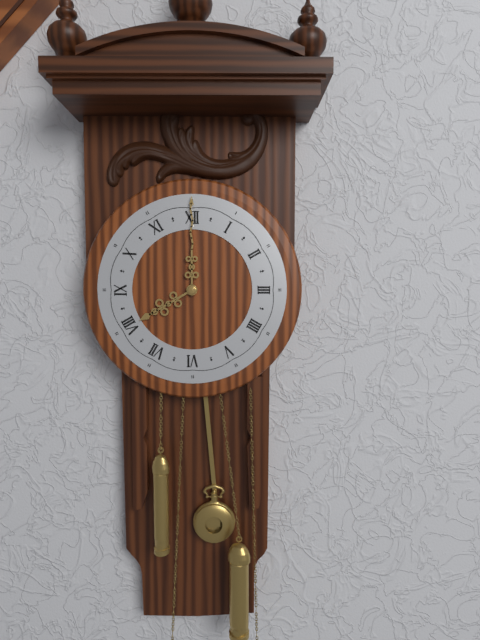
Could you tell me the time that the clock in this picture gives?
8:00
